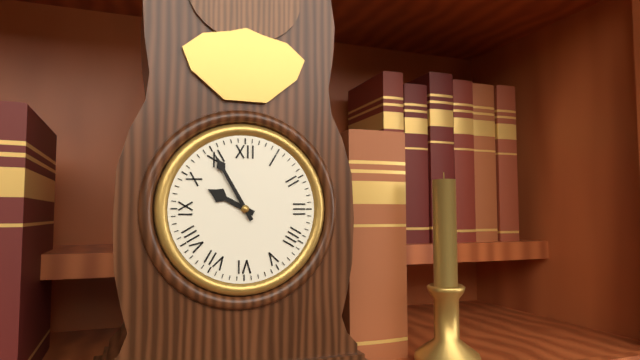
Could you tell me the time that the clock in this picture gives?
9:55
